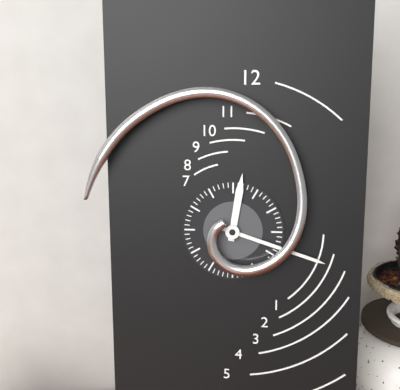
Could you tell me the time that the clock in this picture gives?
12:18
